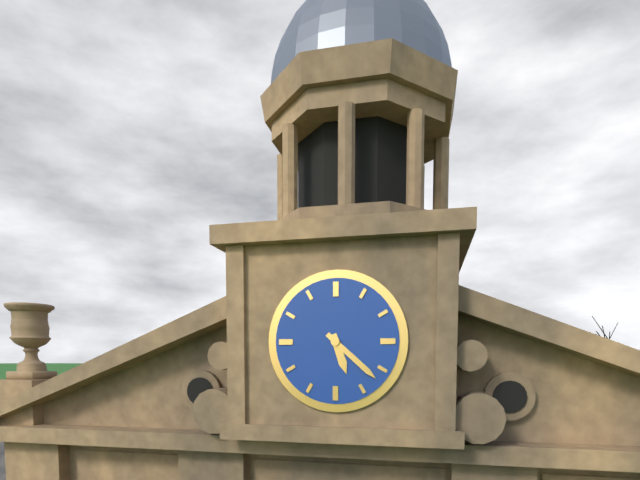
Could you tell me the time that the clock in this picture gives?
5:22
